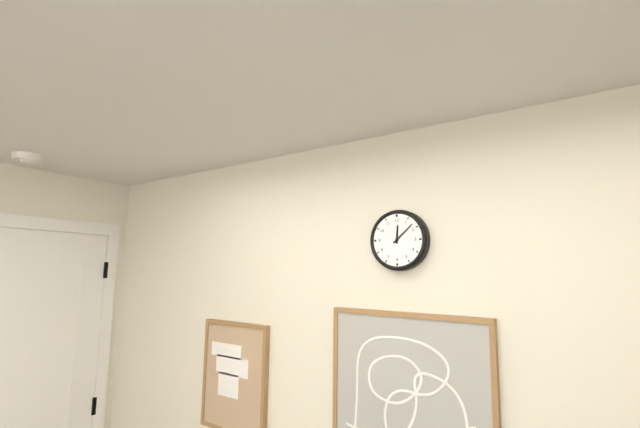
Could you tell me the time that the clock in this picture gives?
12:08
